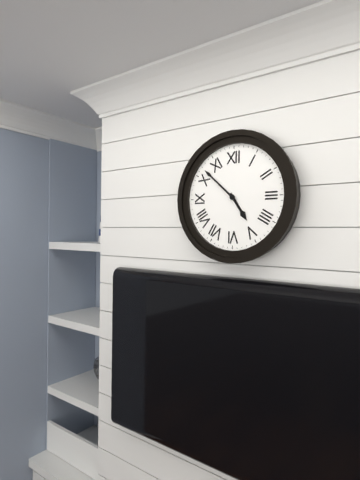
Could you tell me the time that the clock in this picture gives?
4:52
